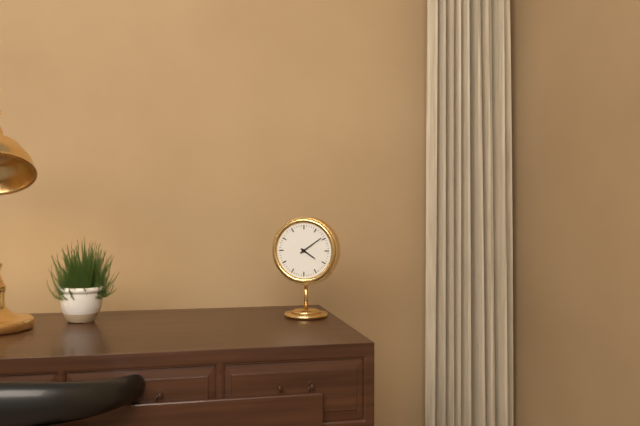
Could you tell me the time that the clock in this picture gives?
4:09
